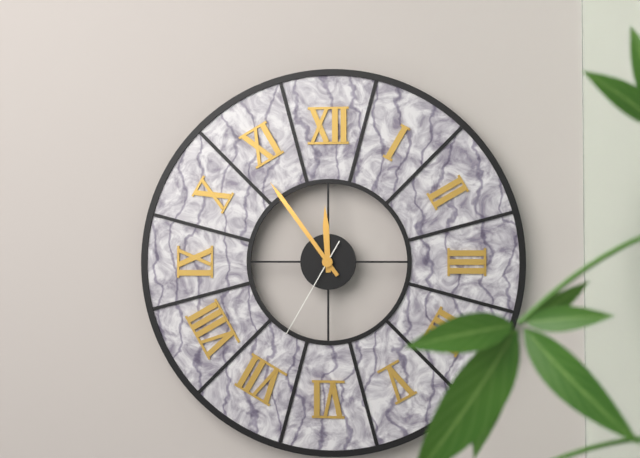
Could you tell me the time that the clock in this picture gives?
11:54:35
